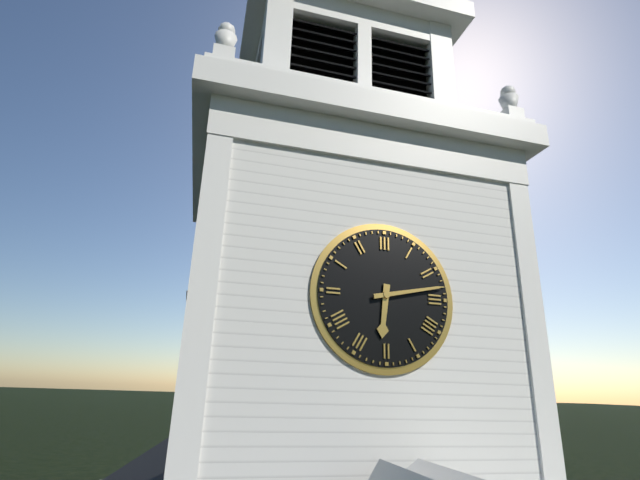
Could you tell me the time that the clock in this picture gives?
6:13
